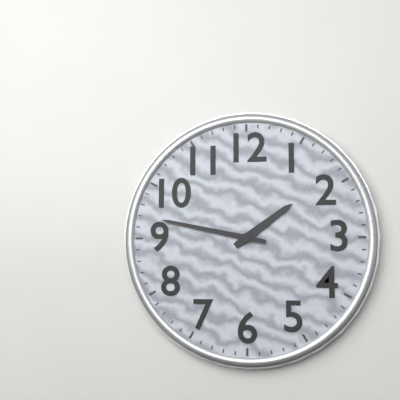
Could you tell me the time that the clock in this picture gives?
1:47
